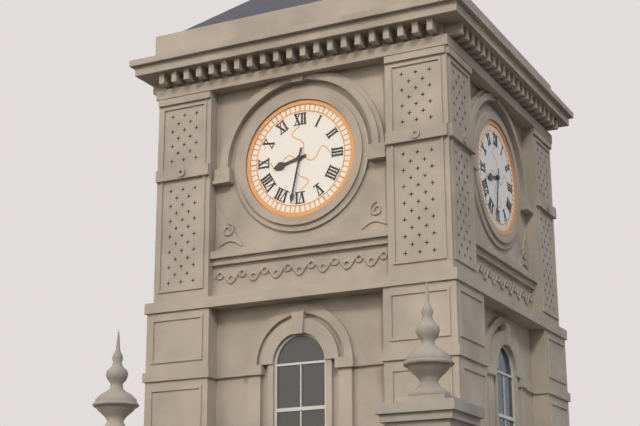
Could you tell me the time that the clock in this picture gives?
8:32
